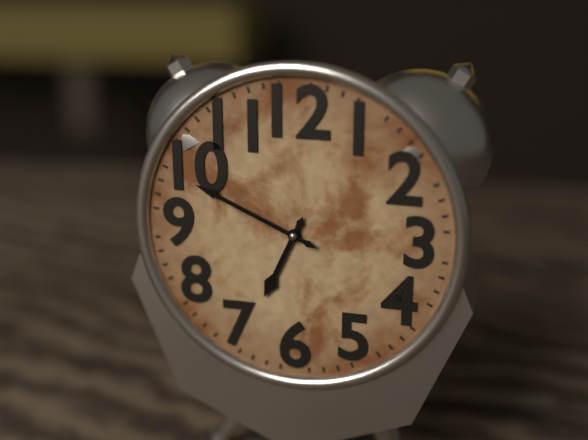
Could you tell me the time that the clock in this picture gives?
6:49
